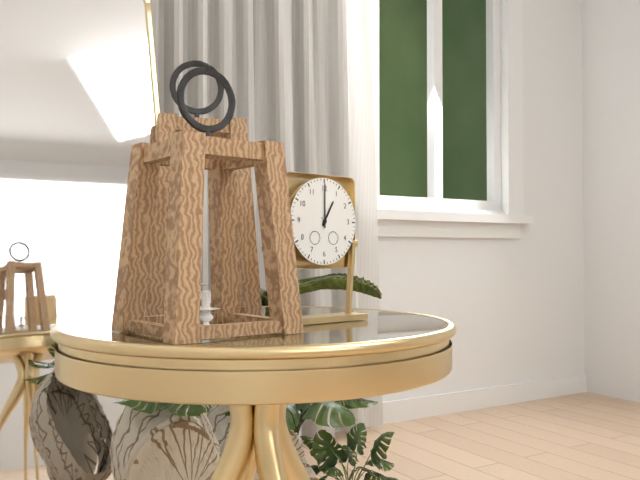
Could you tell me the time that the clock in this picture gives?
1:00
